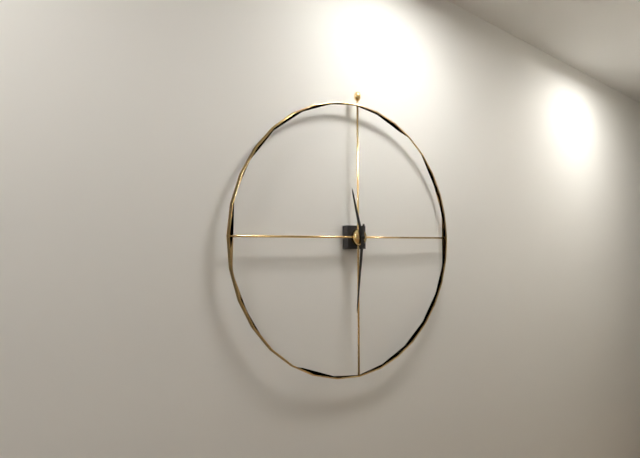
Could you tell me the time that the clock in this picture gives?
11:31
